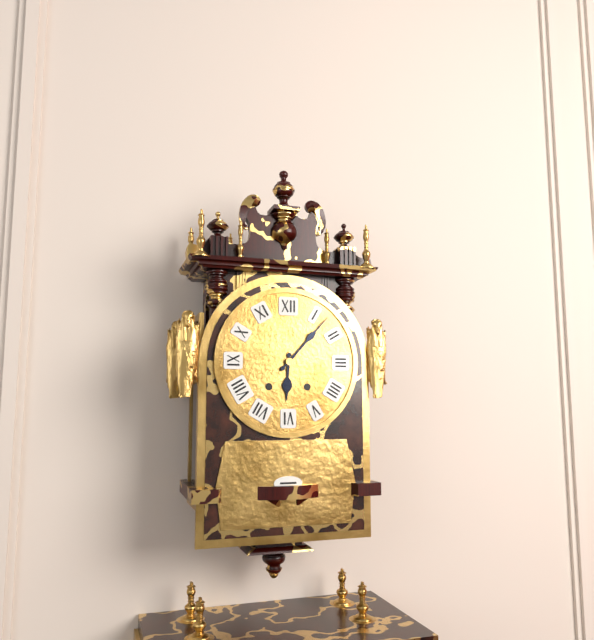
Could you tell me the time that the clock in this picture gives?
6:07
